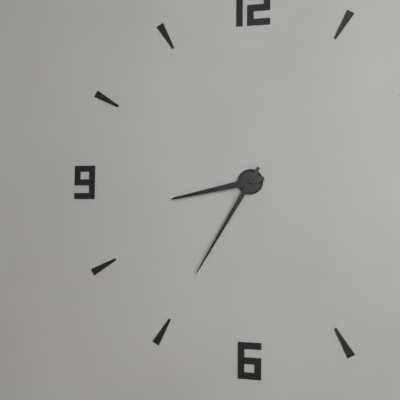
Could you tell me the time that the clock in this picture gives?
8:35
